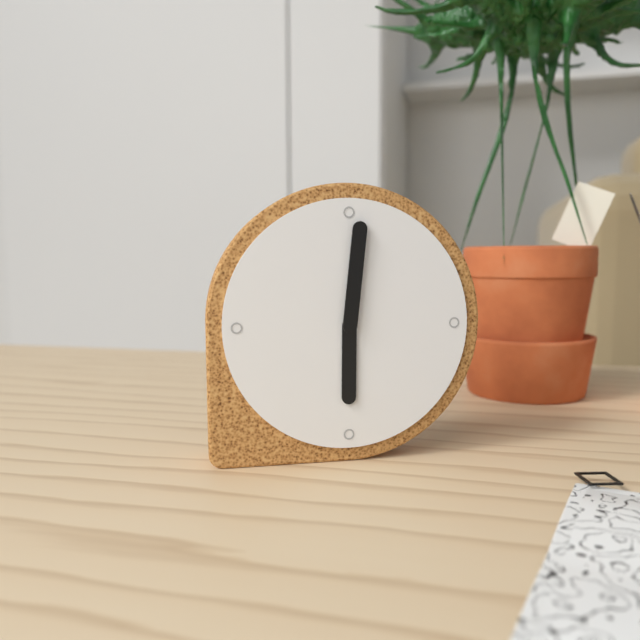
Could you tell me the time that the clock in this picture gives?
6:01
